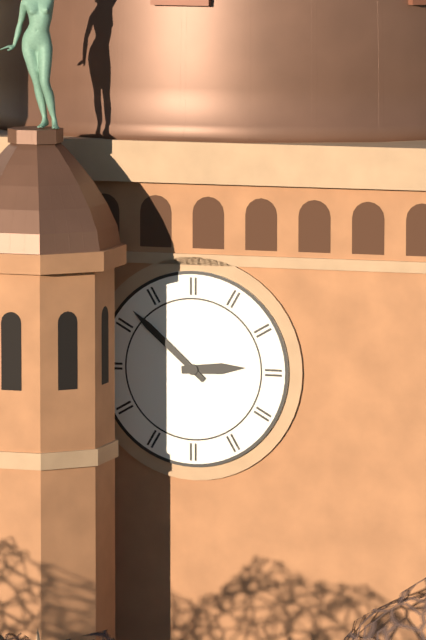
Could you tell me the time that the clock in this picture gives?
2:52
